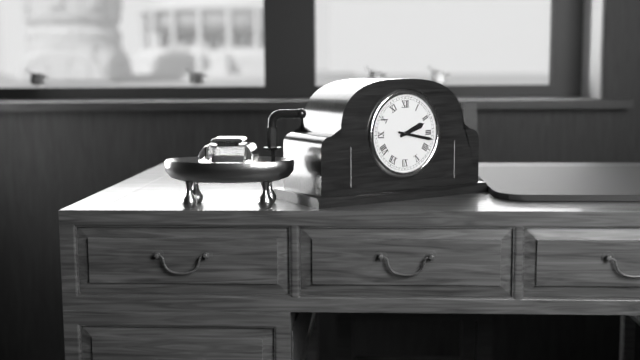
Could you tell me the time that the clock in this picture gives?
2:17
